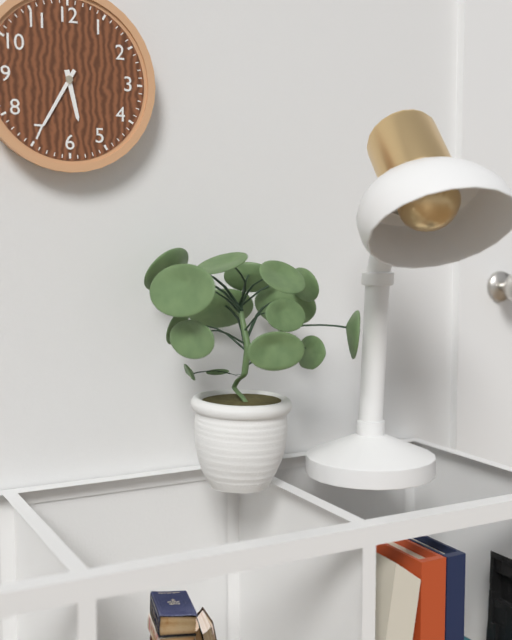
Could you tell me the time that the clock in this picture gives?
5:35
